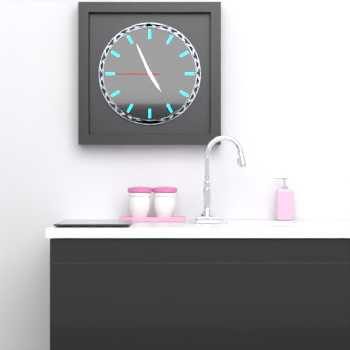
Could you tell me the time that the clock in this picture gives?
4:56
